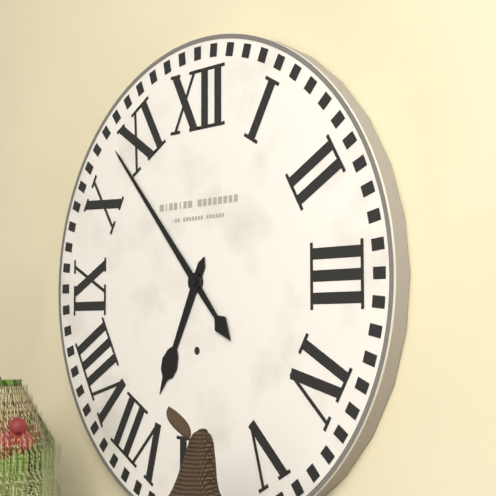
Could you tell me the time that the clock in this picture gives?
6:53
